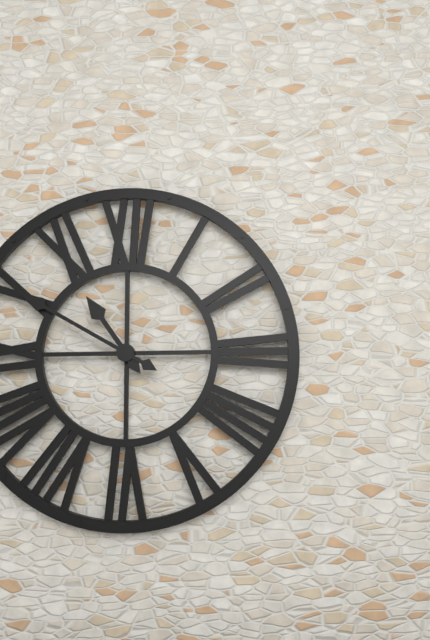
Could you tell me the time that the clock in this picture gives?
10:50
